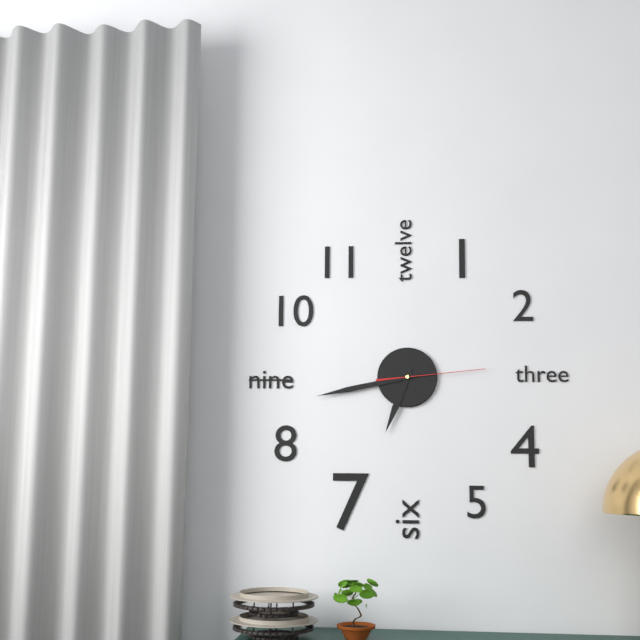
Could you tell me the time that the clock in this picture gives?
6:43:14
